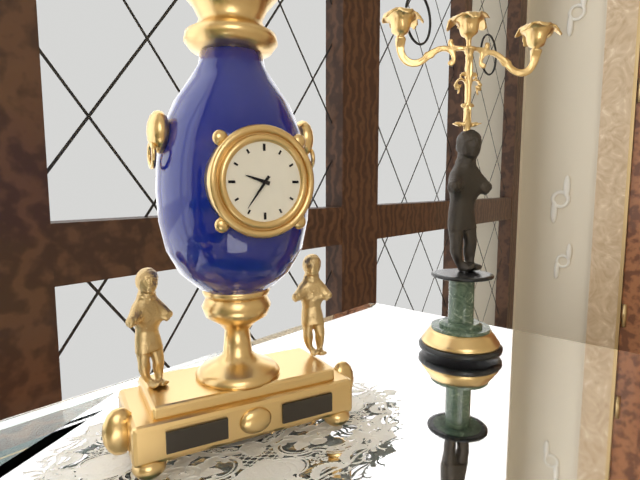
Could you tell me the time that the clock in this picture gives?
9:36
